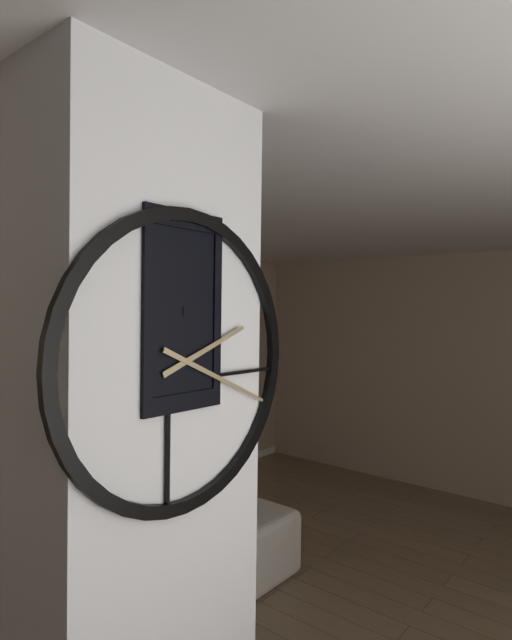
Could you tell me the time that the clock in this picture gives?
2:19
